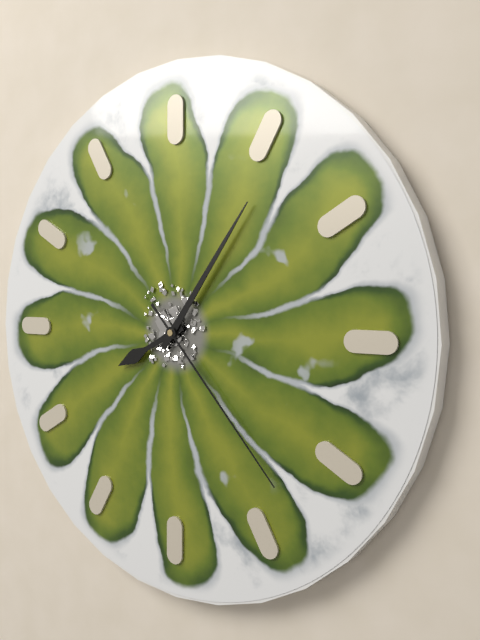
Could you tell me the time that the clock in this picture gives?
8:06:23
